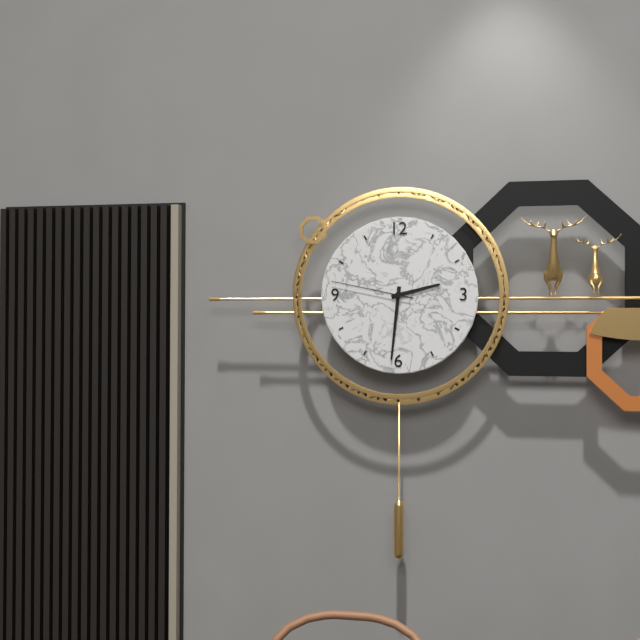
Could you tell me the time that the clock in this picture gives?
2:31:47
